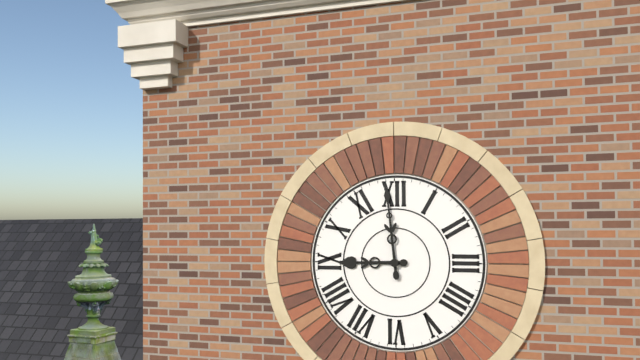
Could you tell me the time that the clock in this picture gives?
8:59
